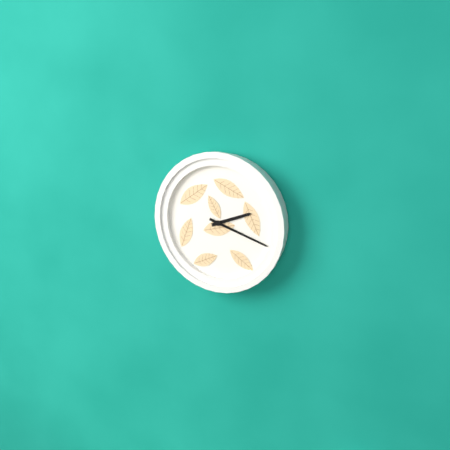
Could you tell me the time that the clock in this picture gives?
2:18
